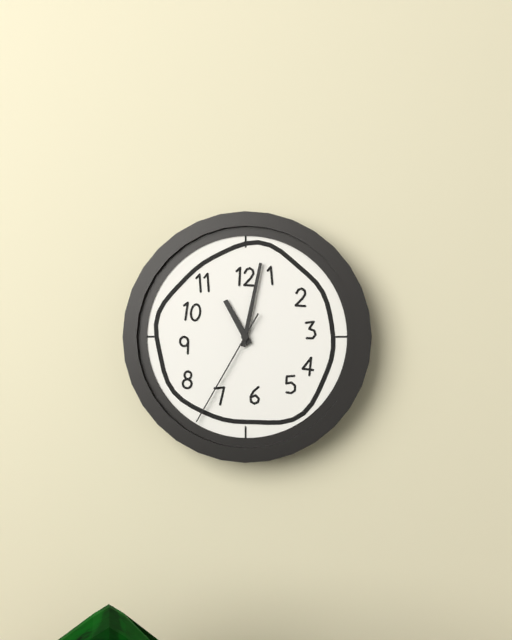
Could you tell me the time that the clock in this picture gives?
11:02:35
